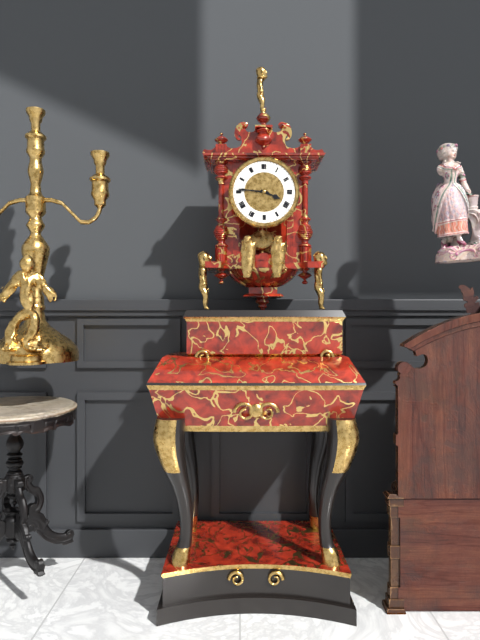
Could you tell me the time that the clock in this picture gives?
3:46
